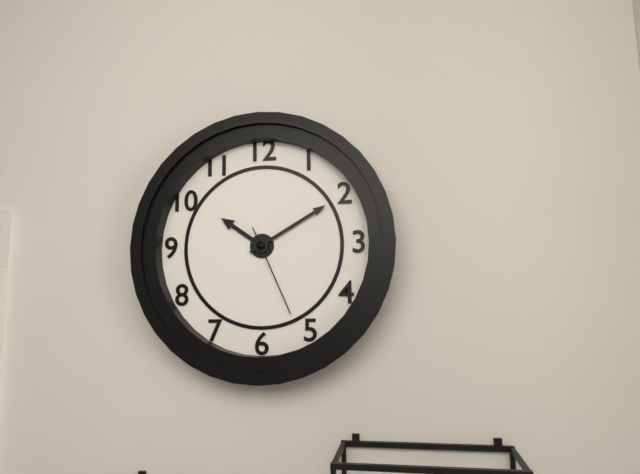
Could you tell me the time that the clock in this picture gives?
10:10:26
